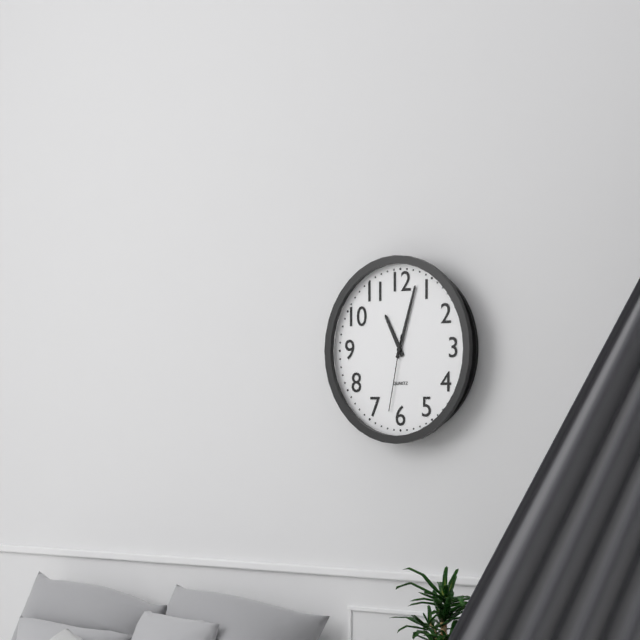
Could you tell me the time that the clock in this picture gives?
11:03:32
